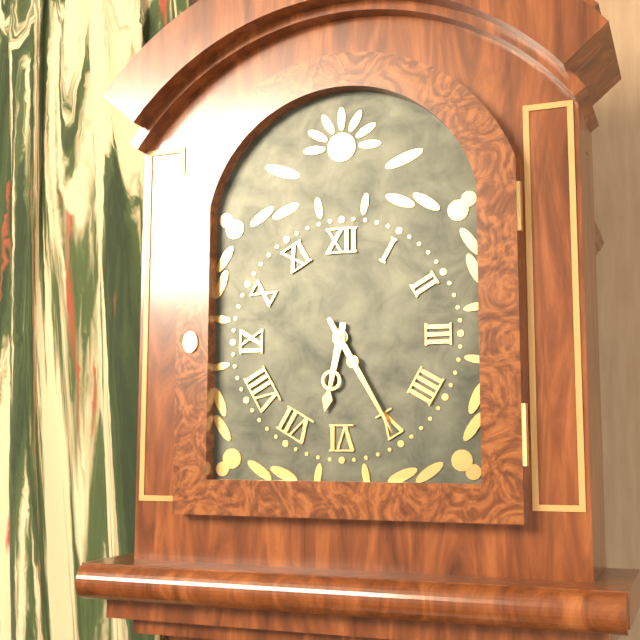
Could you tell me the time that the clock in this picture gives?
6:25
